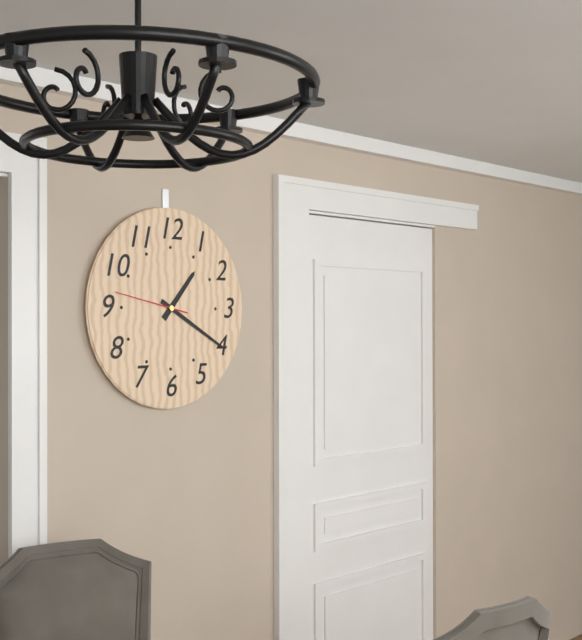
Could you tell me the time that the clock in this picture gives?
1:20:47
